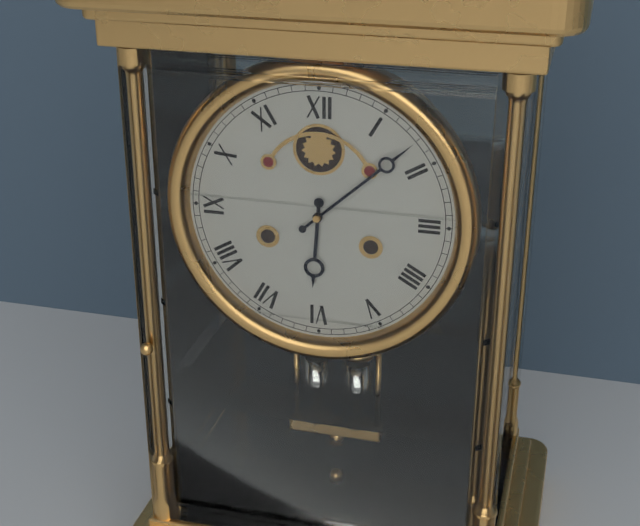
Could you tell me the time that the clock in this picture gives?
6:08
